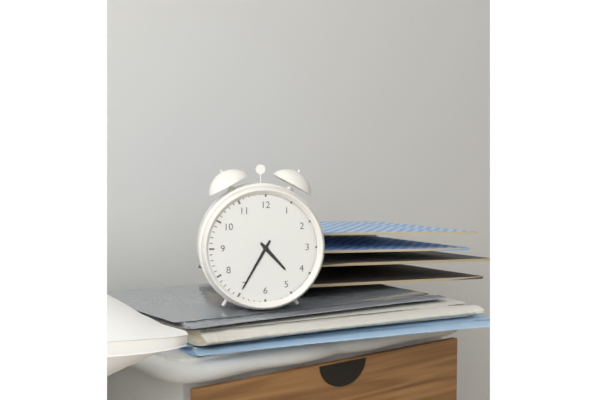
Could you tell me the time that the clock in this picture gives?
4:35
